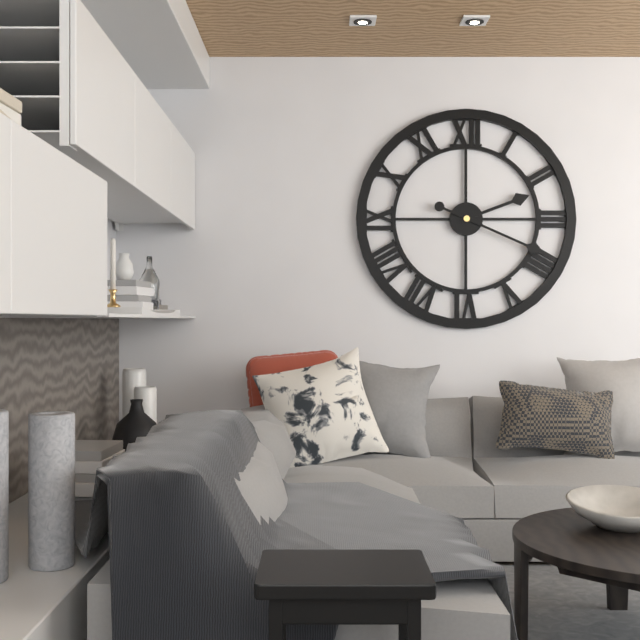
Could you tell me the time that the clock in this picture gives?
2:19
